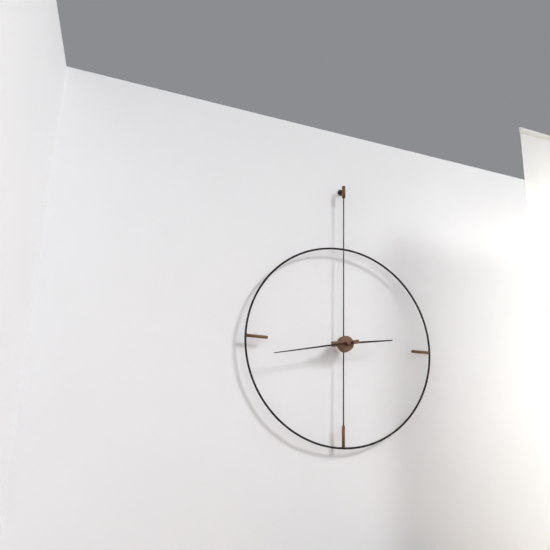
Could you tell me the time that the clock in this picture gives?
2:43
